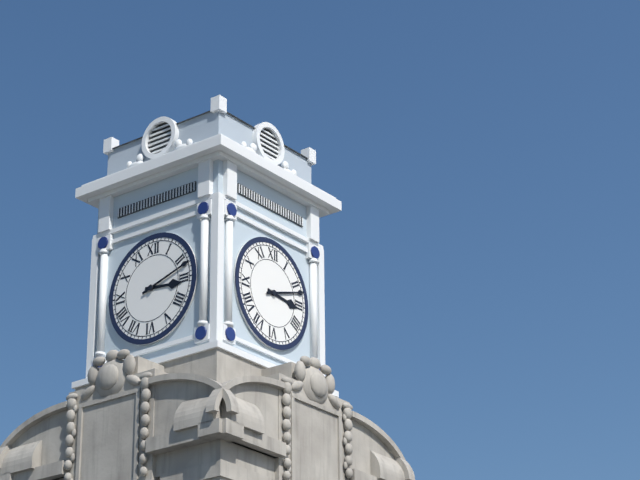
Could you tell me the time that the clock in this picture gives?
3:12
